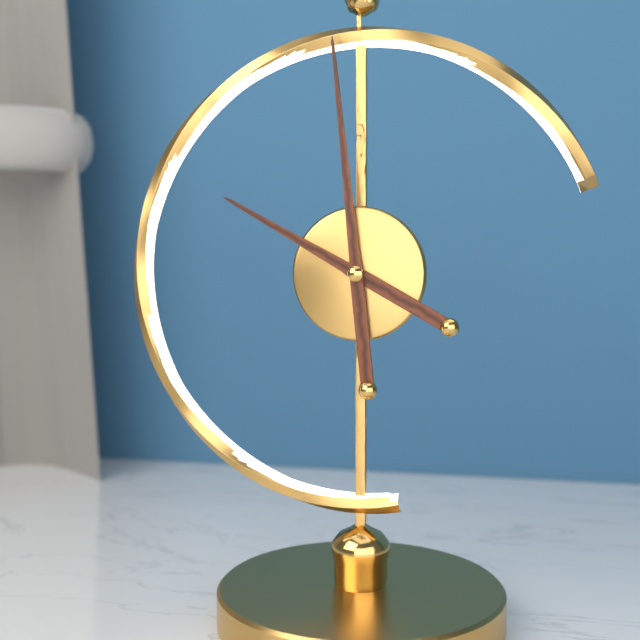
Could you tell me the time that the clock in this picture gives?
9:59
